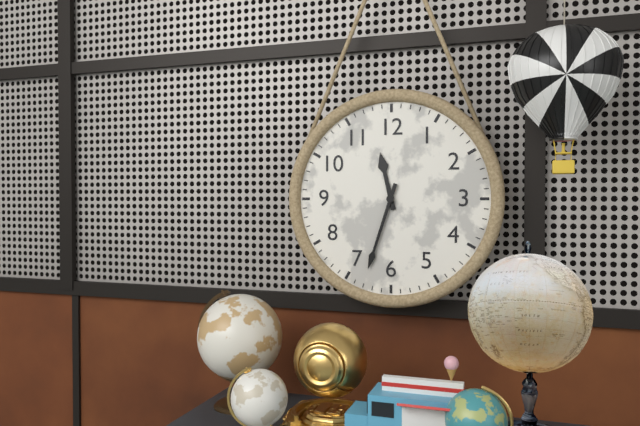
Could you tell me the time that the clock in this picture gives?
11:33
